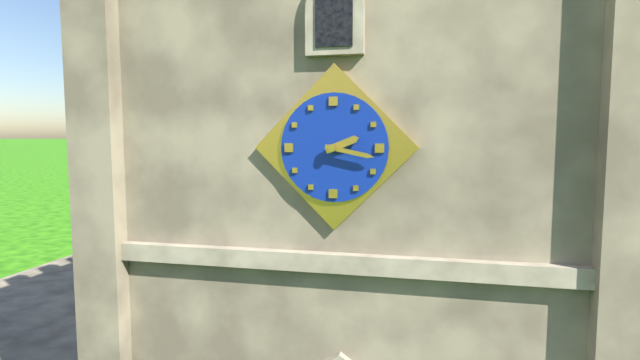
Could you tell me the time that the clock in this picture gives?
2:17
